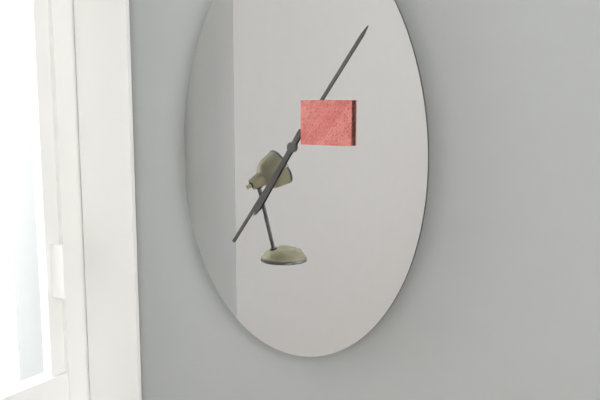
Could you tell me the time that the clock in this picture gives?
7:06
